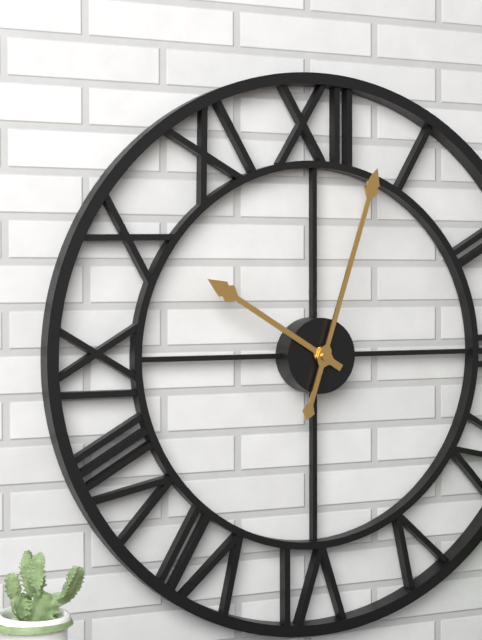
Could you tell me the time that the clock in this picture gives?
10:03
